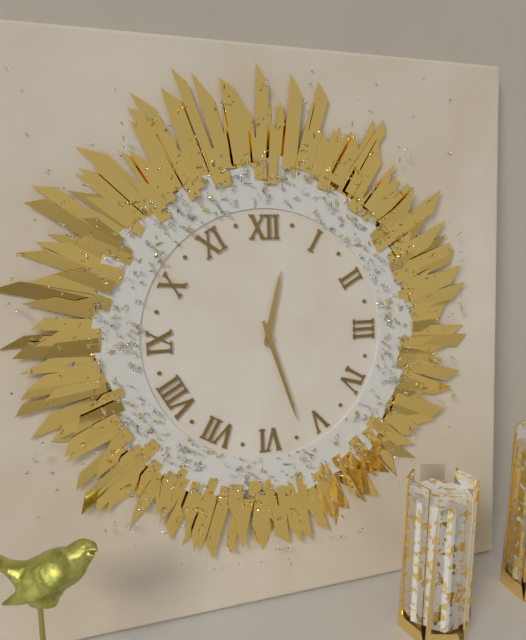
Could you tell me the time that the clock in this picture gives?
12:27
